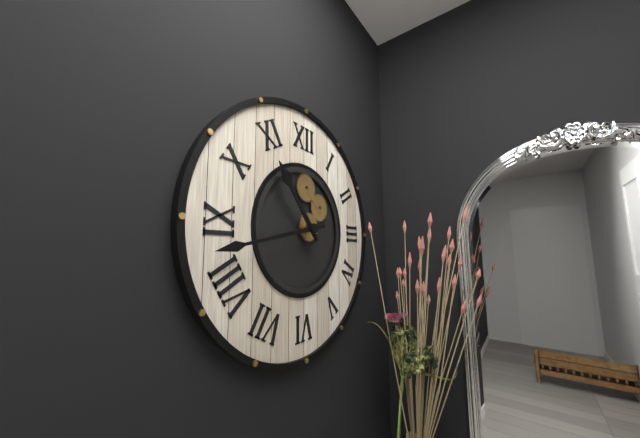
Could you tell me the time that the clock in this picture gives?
10:43
